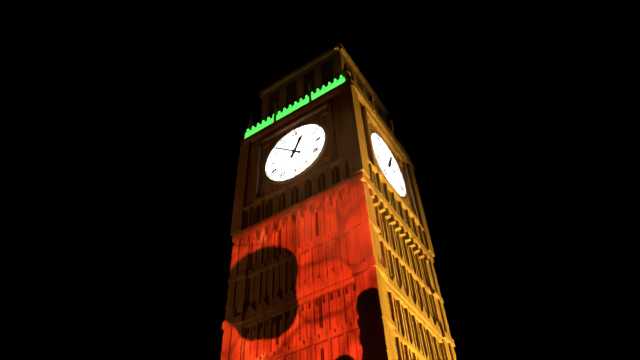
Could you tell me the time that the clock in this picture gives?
12:52
